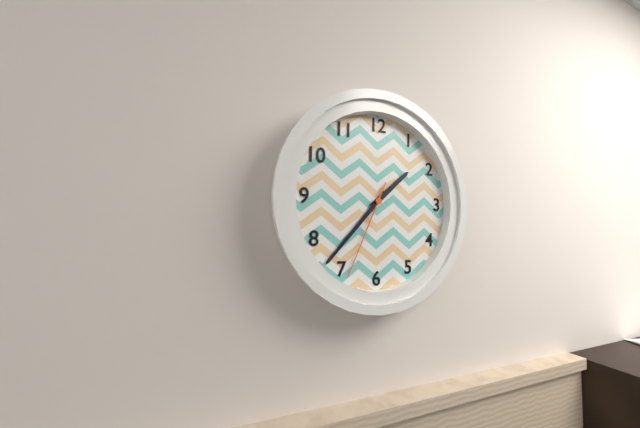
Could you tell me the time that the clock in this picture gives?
1:37:34
